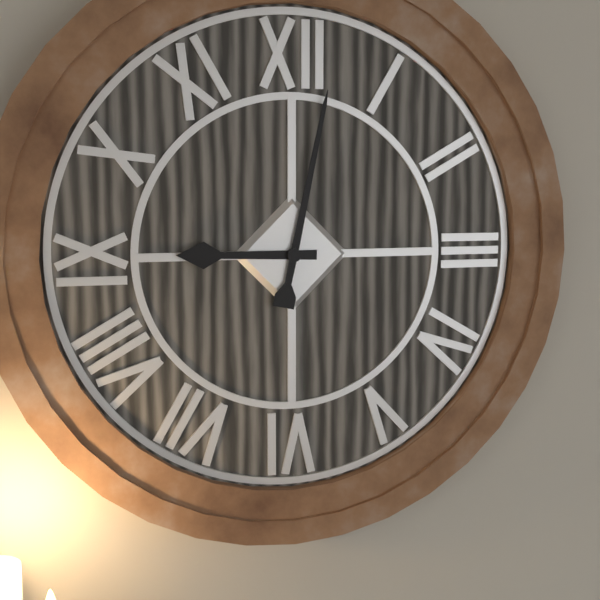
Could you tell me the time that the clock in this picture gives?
9:02
